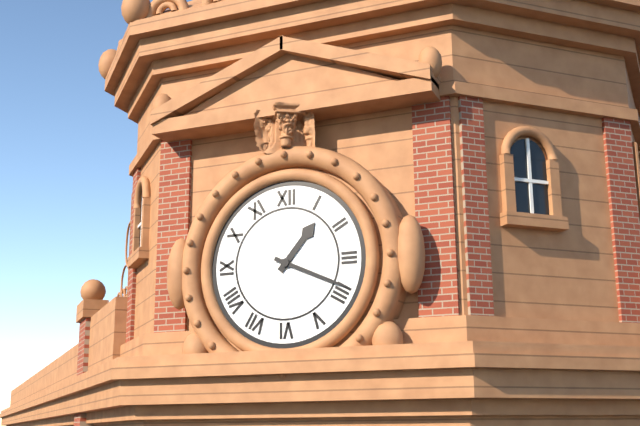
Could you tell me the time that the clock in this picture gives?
1:19
